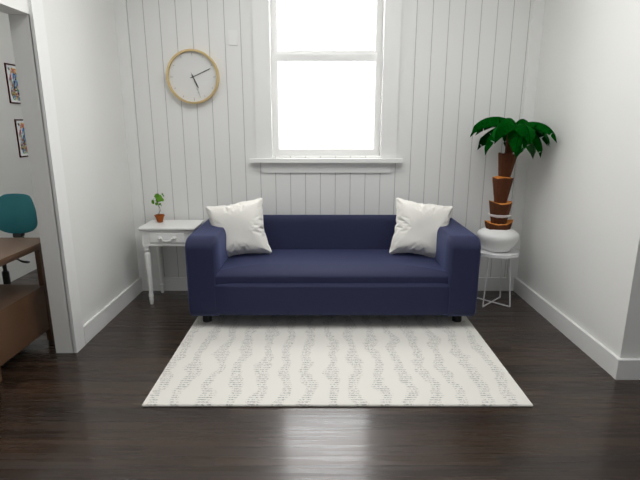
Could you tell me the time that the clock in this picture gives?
5:11
